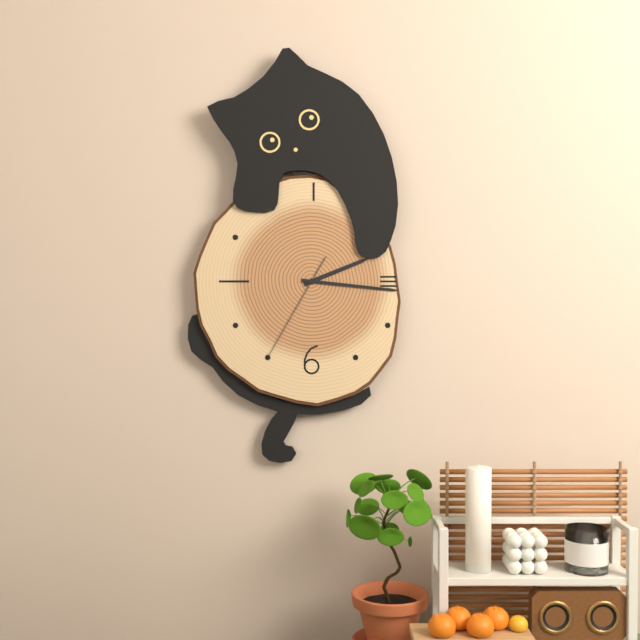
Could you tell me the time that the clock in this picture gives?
2:16:35
